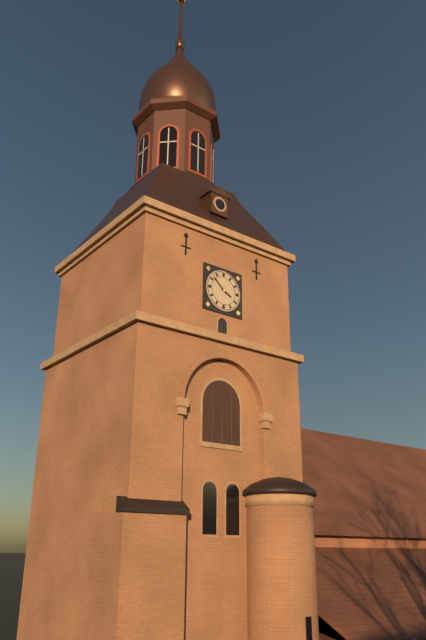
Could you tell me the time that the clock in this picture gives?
3:52
